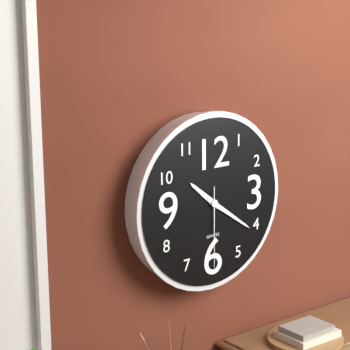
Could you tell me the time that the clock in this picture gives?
10:21:30
